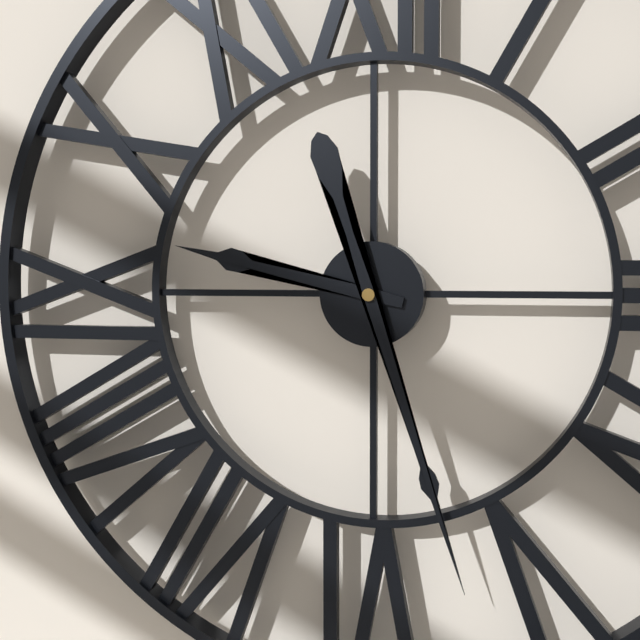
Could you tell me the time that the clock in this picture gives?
9:27
